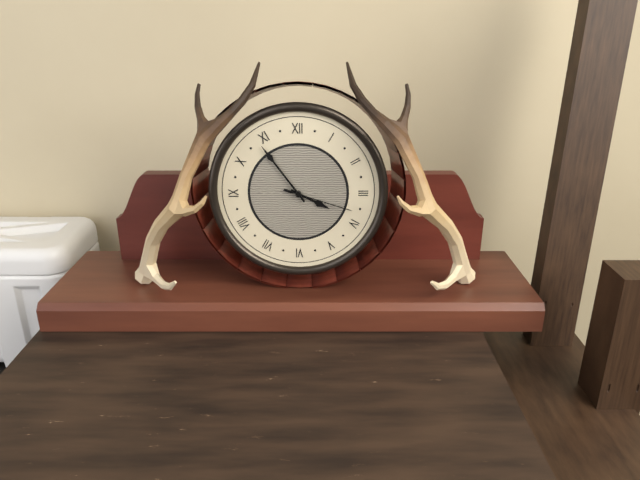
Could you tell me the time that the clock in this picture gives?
3:54:18
